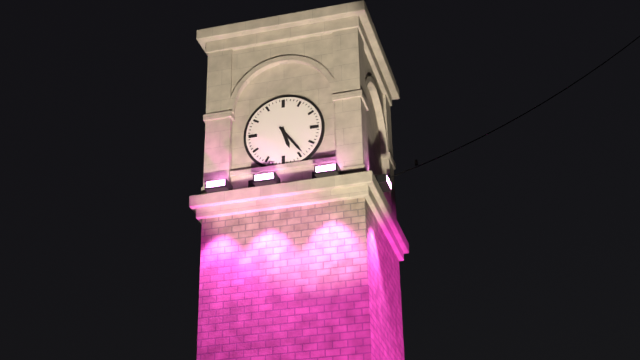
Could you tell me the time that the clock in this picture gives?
5:24
